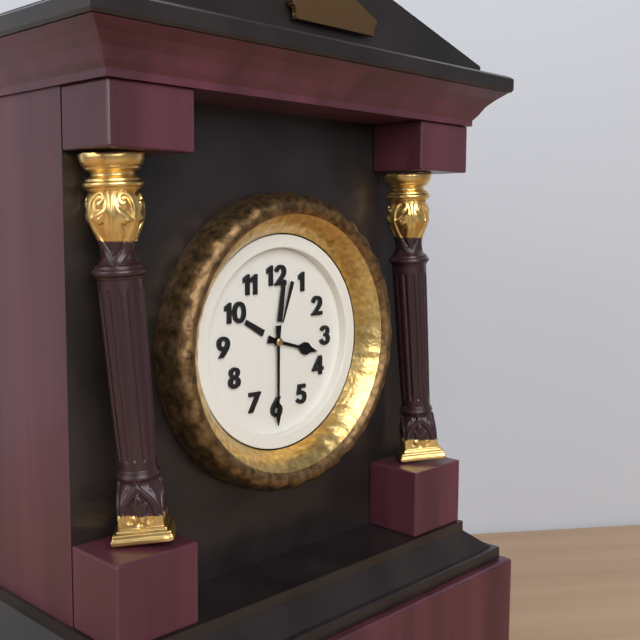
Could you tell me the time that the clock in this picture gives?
3:30
